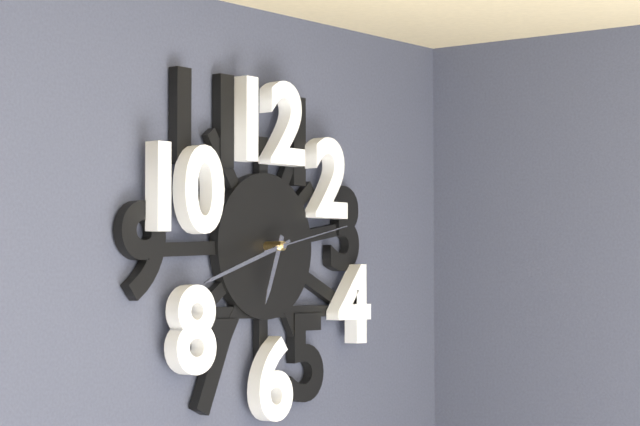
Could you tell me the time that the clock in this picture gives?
6:42:13
